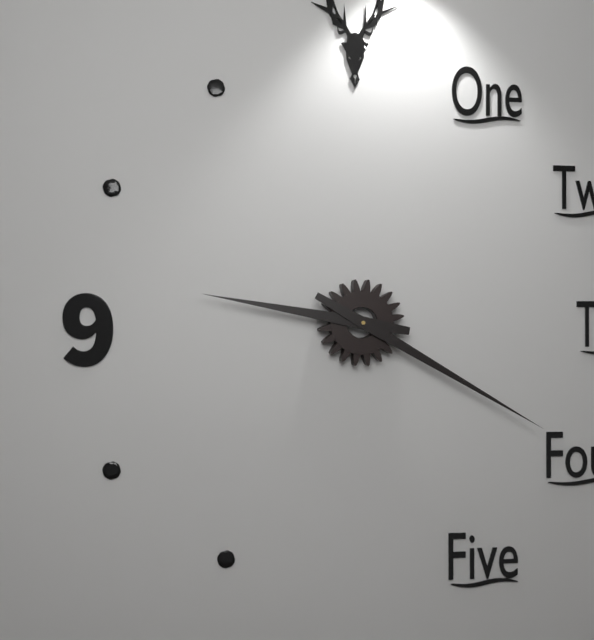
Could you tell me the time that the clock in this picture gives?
9:20
